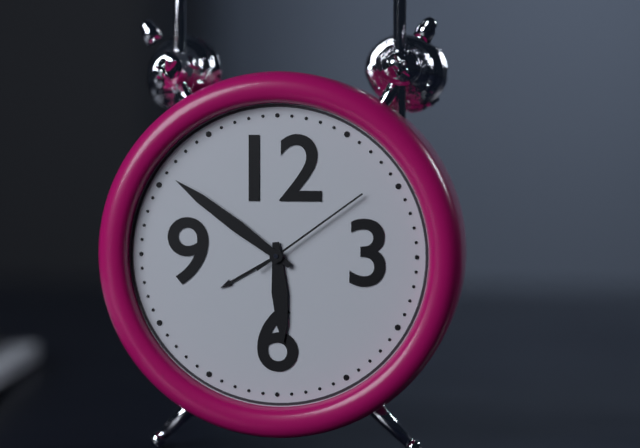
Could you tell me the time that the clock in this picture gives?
5:51:09
